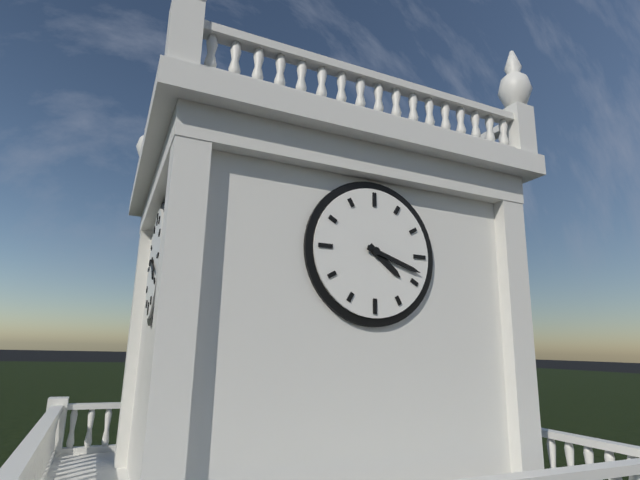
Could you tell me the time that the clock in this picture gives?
4:18
